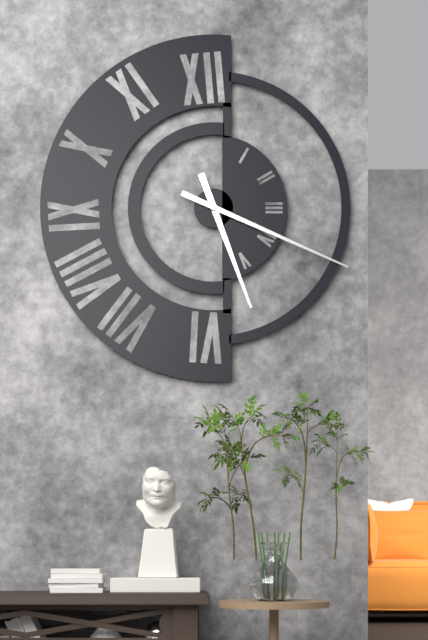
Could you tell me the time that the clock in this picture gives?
5:19
